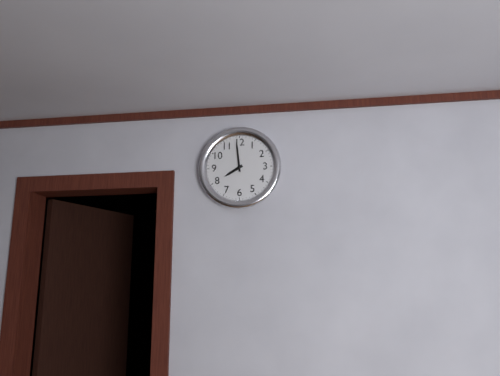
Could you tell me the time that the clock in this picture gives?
7:59
